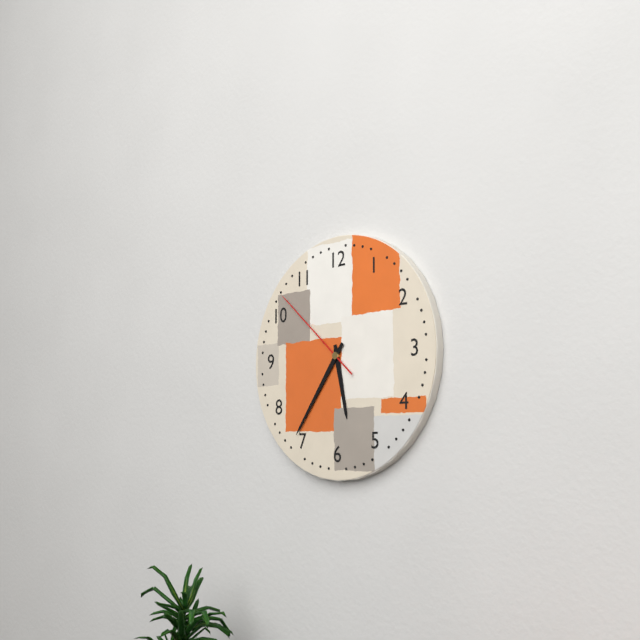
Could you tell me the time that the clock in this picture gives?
5:36:52
